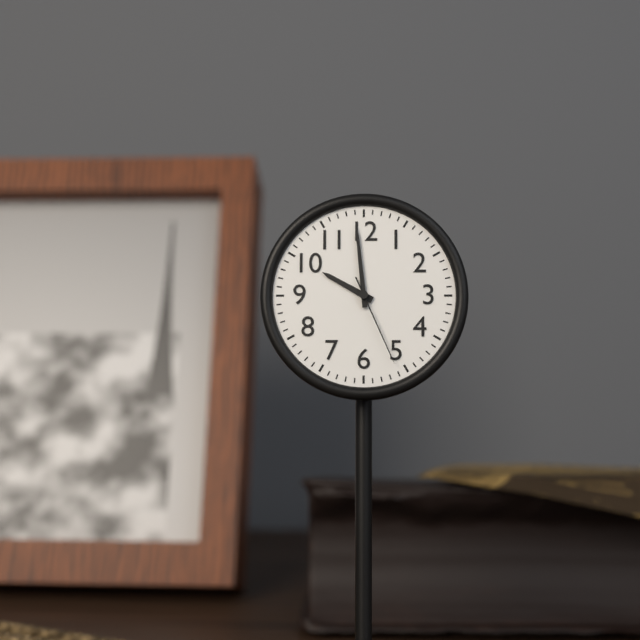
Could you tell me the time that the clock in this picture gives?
9:59:26
